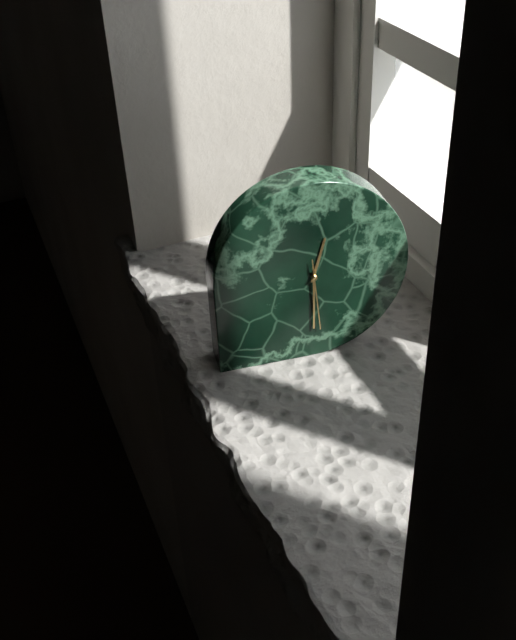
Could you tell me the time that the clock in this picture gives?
12:30:29
